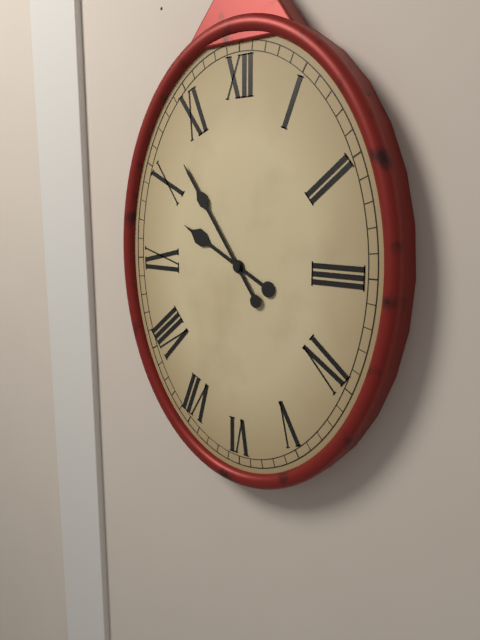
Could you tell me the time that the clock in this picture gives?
9:54
